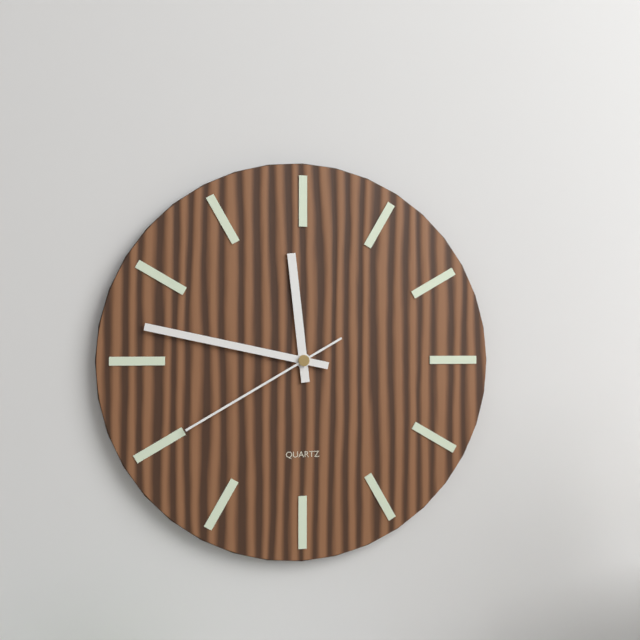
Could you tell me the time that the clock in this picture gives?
11:47:40
